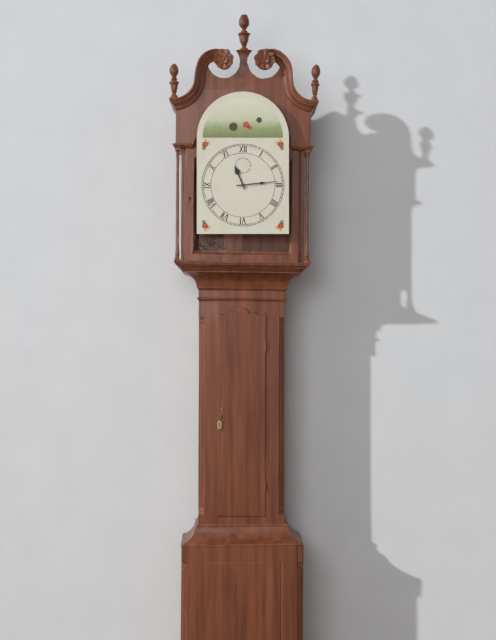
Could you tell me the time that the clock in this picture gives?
11:14
